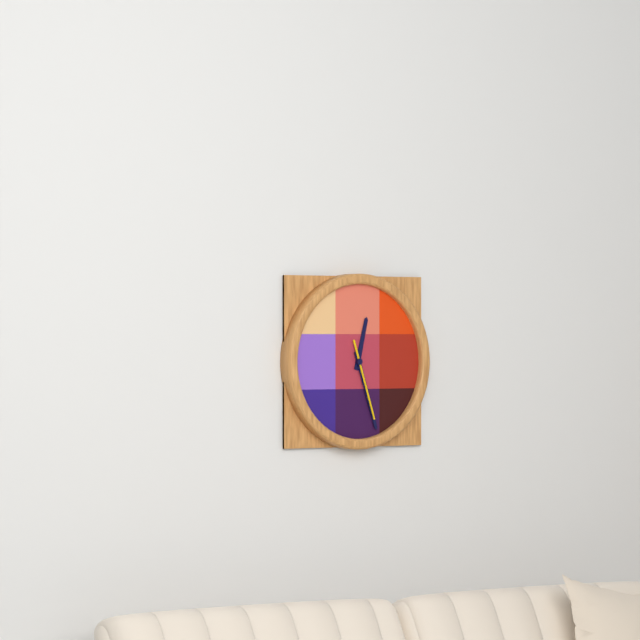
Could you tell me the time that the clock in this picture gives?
12:27:27
